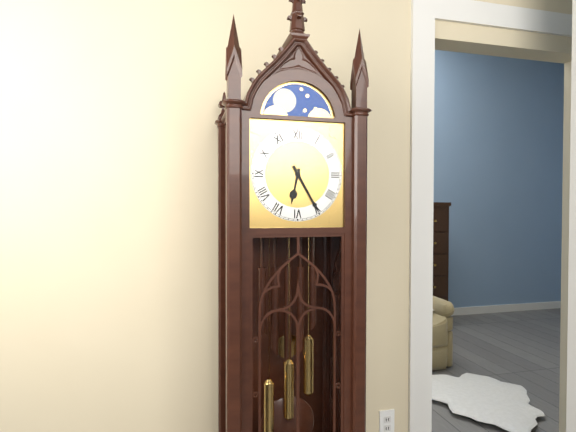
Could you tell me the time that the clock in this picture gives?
6:25
